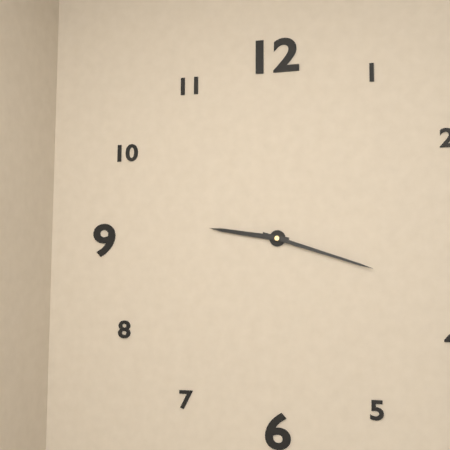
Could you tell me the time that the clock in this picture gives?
9:18
